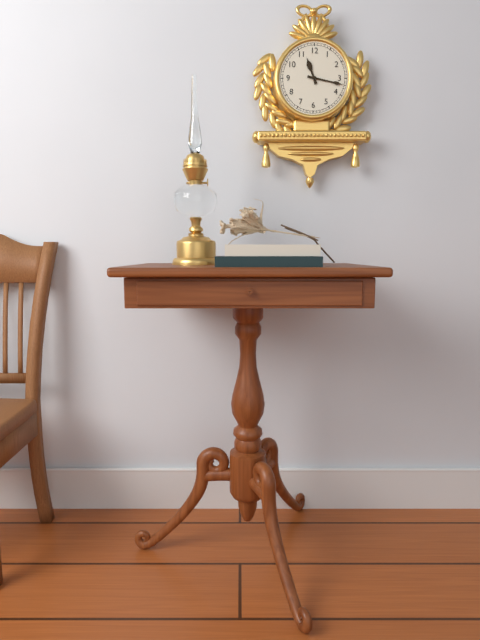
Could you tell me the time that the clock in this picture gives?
11:17
